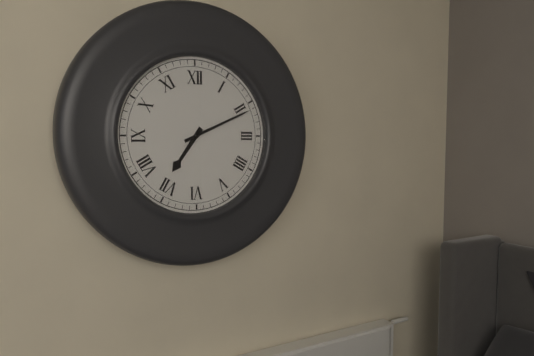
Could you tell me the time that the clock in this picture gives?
7:11
